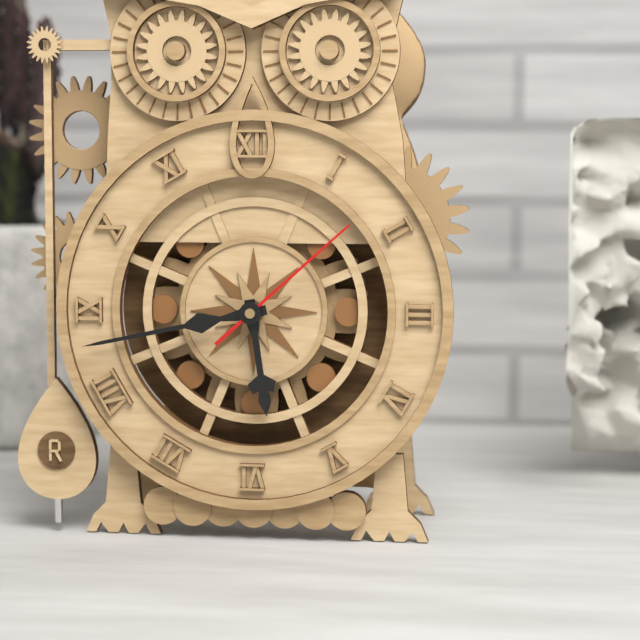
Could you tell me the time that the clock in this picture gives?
5:43:08
